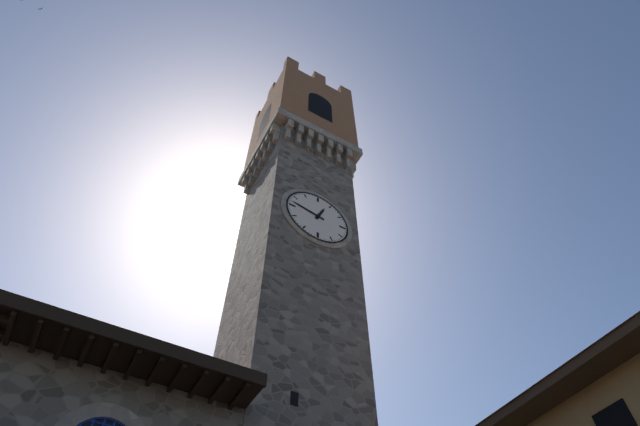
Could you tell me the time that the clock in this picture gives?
12:47
